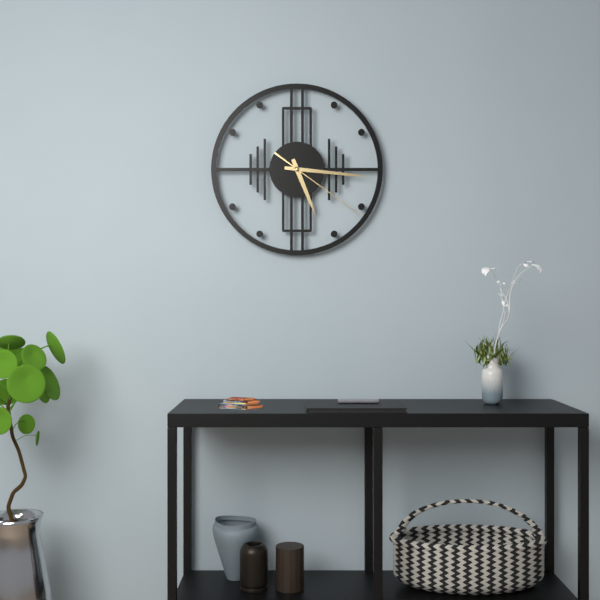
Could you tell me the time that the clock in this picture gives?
5:16:21
